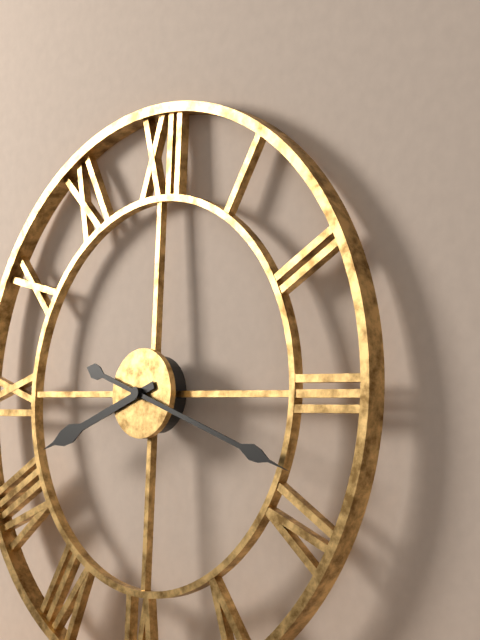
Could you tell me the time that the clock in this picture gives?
8:18
